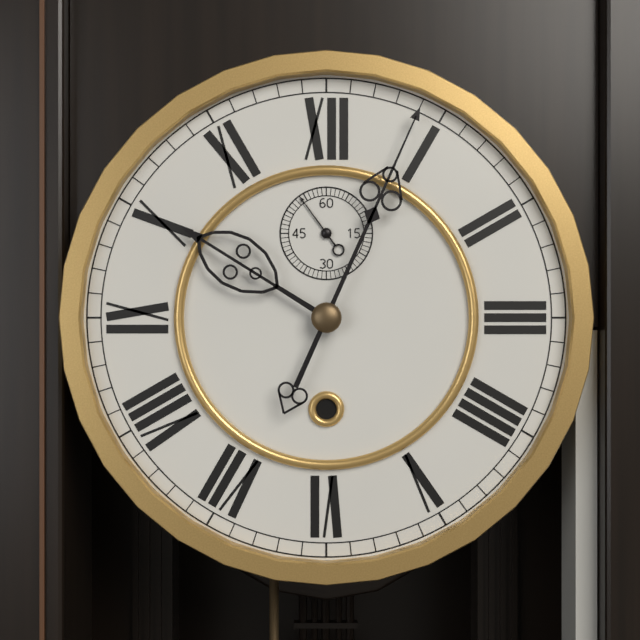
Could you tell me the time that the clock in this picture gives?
10:04:54
